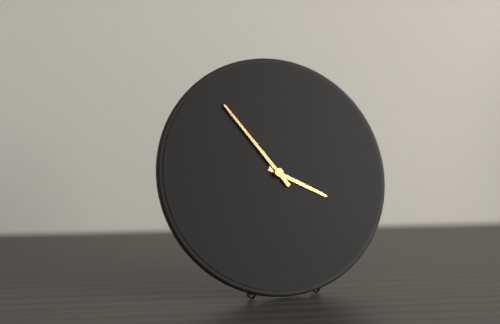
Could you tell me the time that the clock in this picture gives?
3:54
